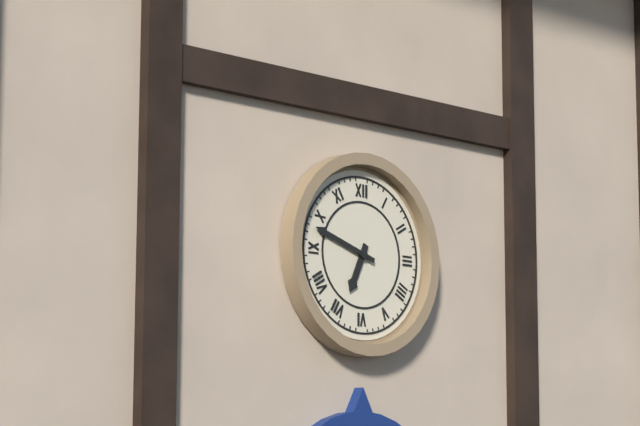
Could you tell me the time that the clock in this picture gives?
6:48
